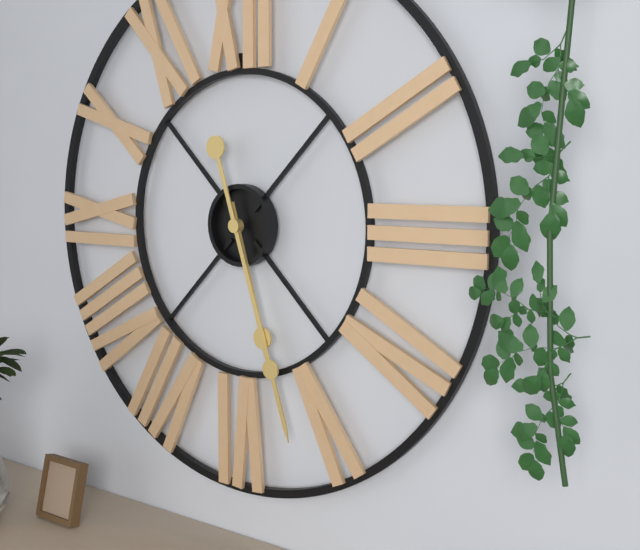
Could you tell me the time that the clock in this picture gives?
5:27
